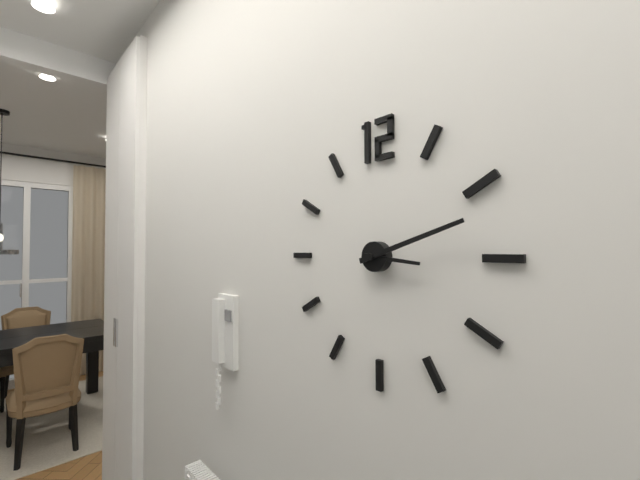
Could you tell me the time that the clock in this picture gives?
3:12
